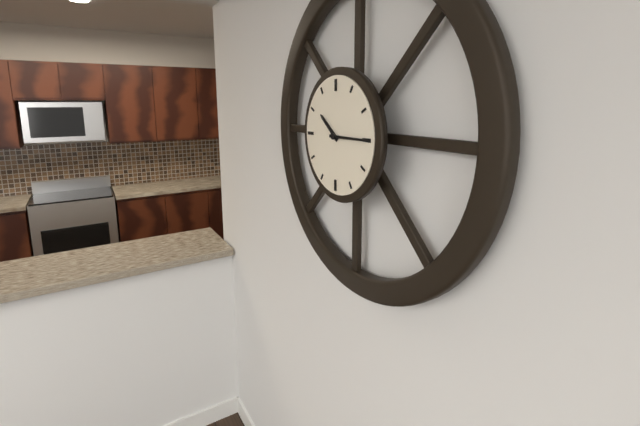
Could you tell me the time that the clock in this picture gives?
10:15
